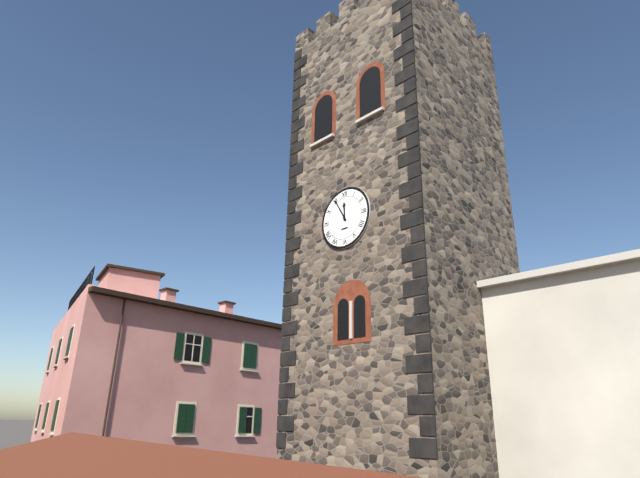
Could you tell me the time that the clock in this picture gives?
11:55
